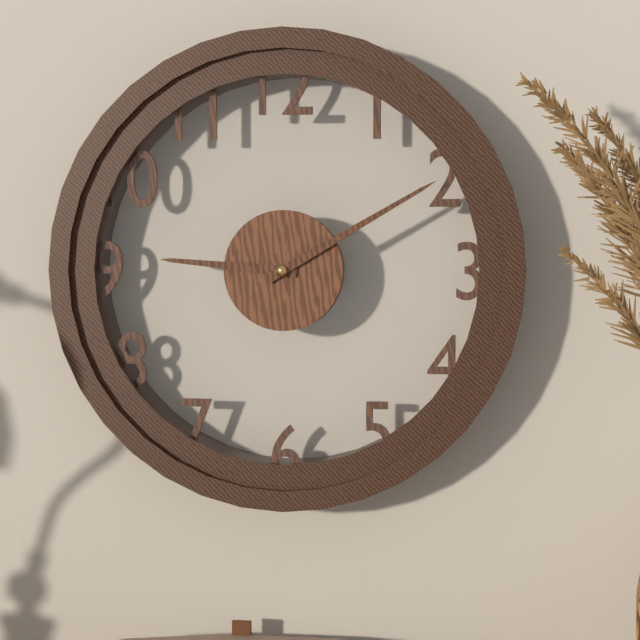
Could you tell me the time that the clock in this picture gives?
9:10
